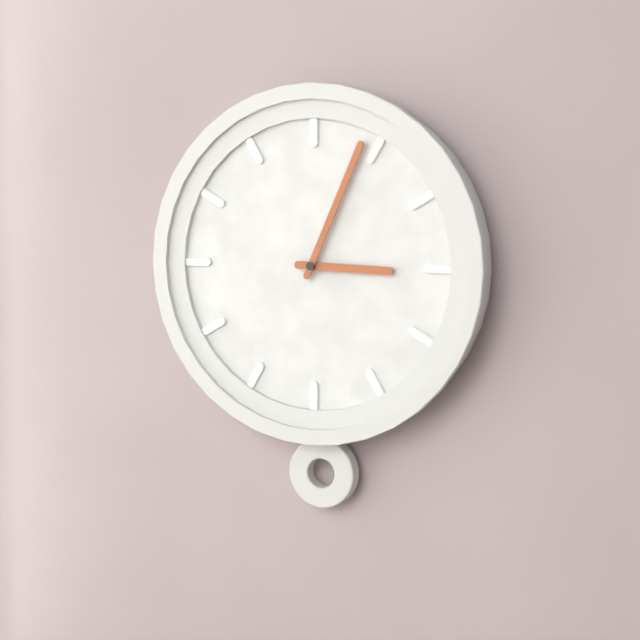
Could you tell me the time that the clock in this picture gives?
3:04
